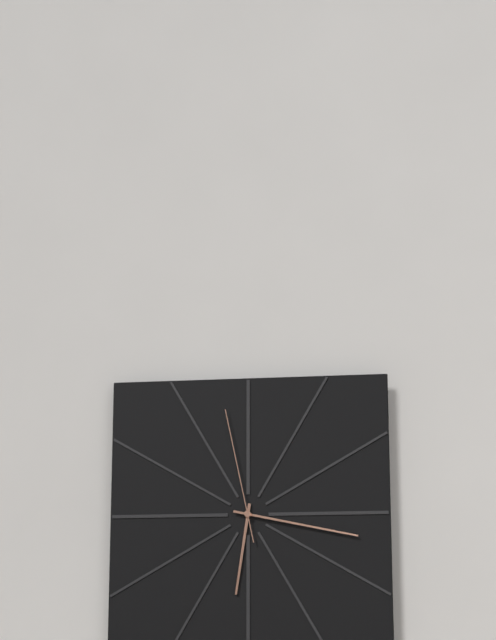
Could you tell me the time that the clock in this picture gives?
6:17:58
